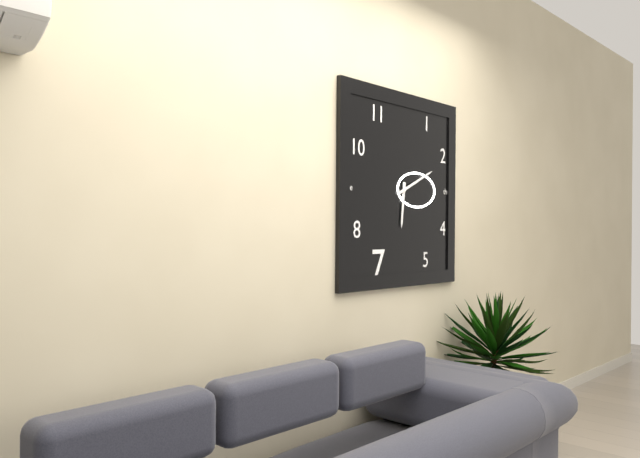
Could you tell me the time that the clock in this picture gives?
6:11
